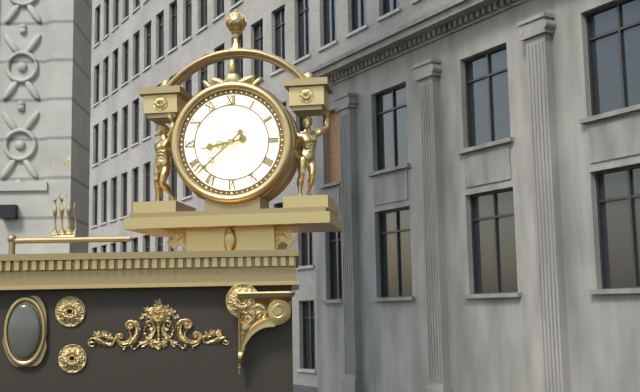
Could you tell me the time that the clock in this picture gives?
8:38
